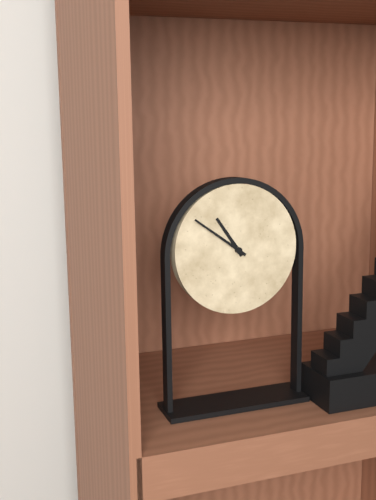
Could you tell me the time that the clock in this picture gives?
10:51
